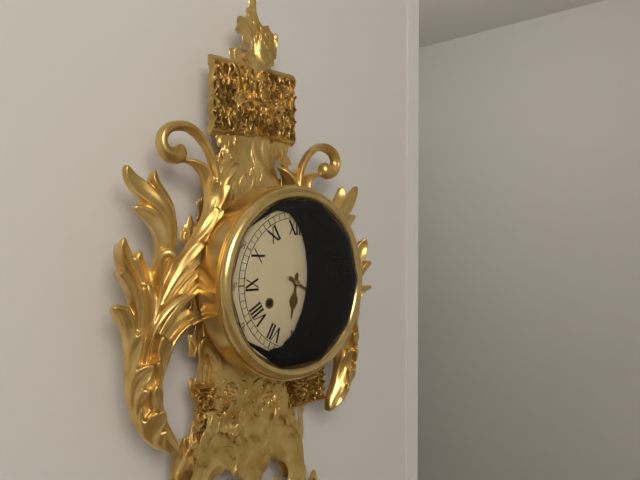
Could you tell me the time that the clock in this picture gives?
6:20
